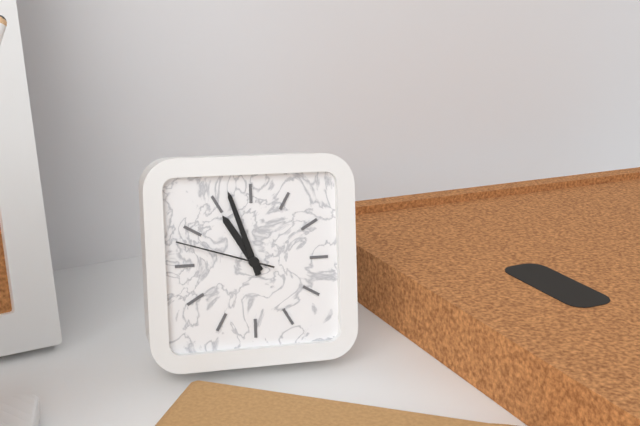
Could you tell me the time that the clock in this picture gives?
10:57:48
